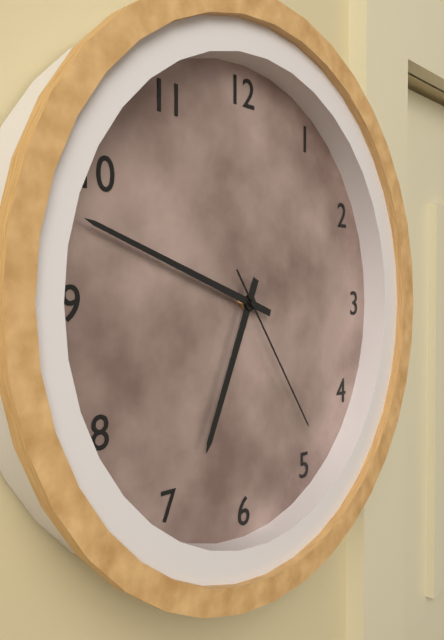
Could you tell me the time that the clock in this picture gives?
6:48:24
